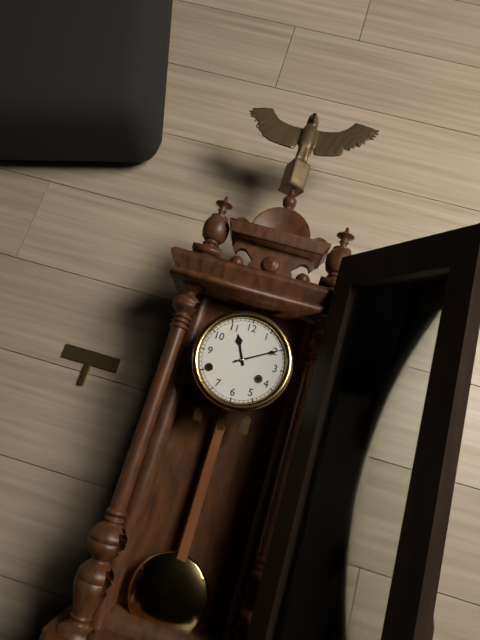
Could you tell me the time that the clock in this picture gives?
11:10
